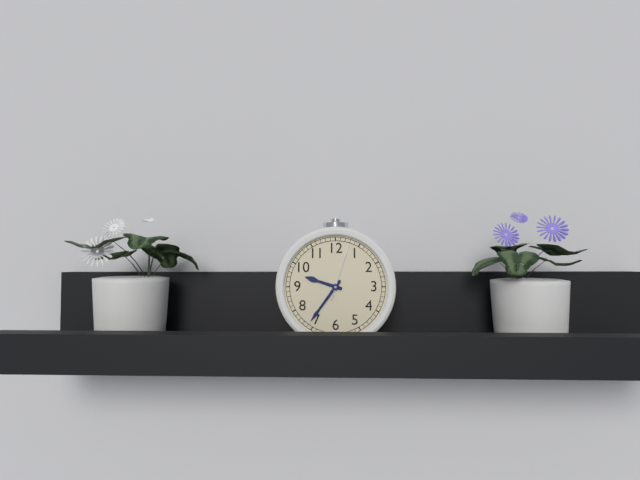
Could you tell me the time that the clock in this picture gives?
9:36:03
